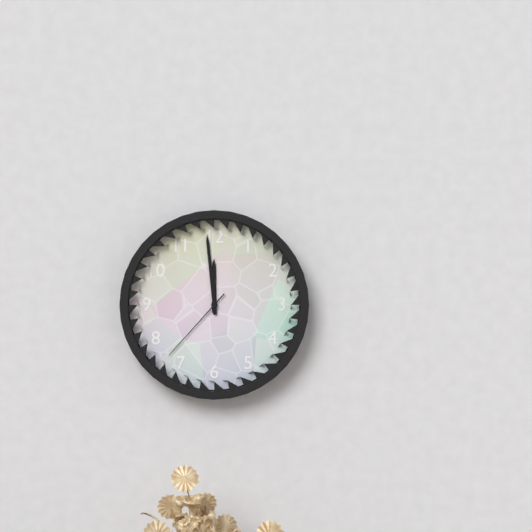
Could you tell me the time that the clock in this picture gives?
11:59:37
